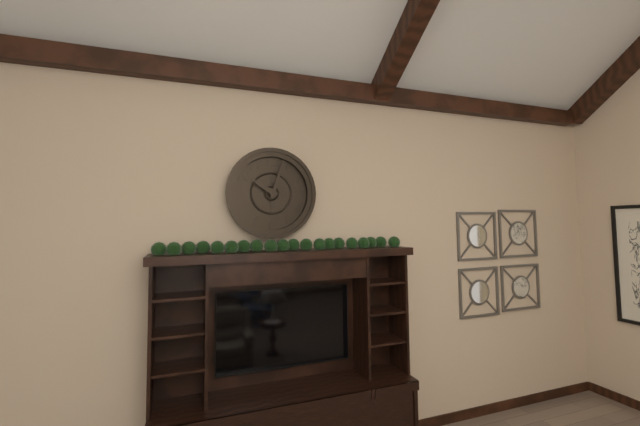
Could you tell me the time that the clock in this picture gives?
10:03
